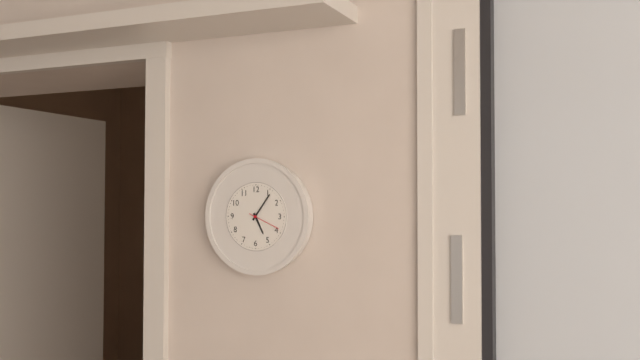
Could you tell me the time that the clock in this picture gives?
5:06
